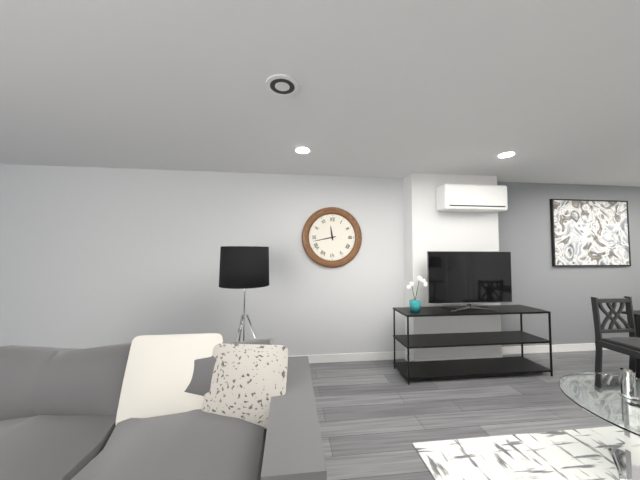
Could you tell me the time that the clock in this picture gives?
11:43
